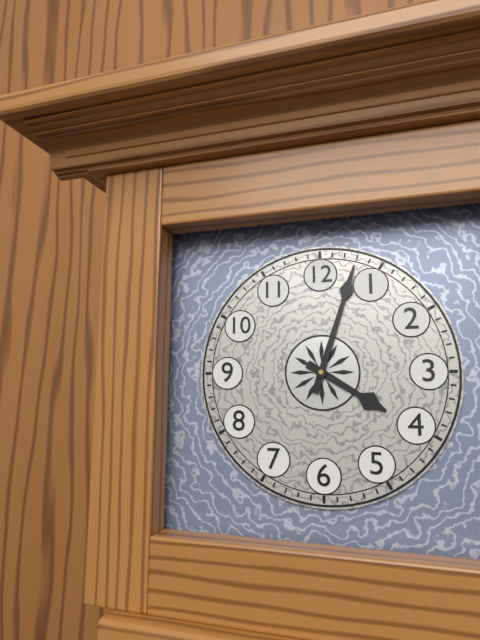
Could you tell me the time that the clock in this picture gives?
4:03
